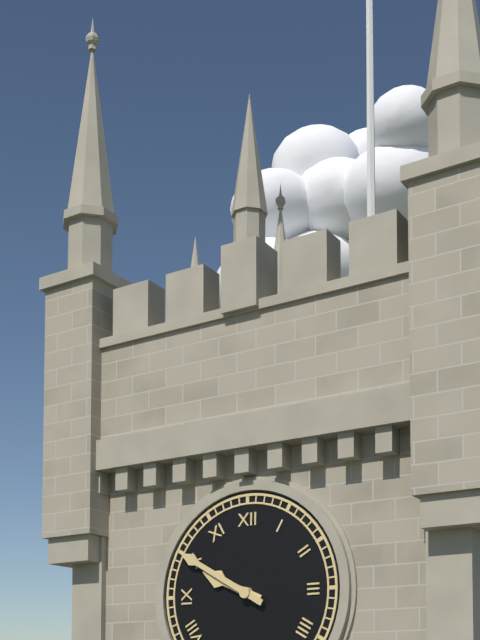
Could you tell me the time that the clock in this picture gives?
9:50
